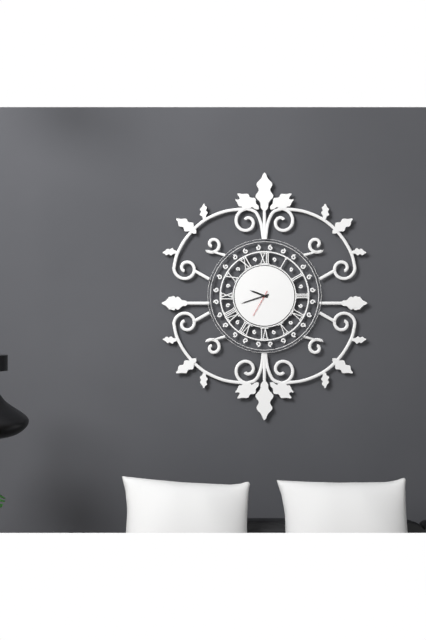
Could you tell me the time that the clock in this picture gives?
9:42
